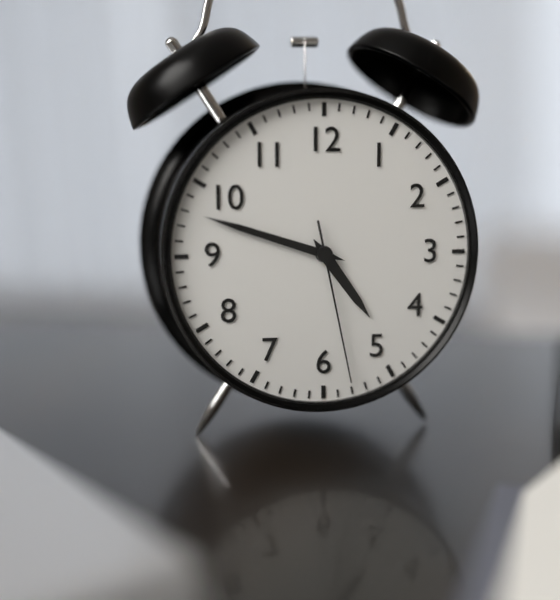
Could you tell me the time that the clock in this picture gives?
4:48:28
